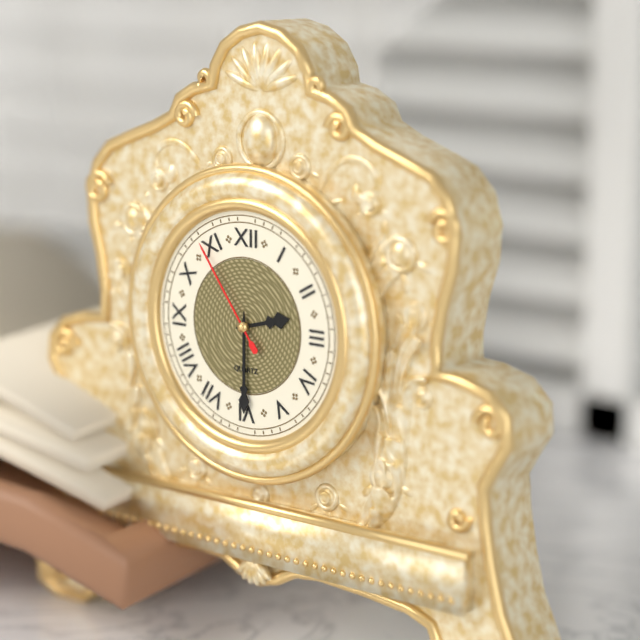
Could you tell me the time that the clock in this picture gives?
2:30:54
